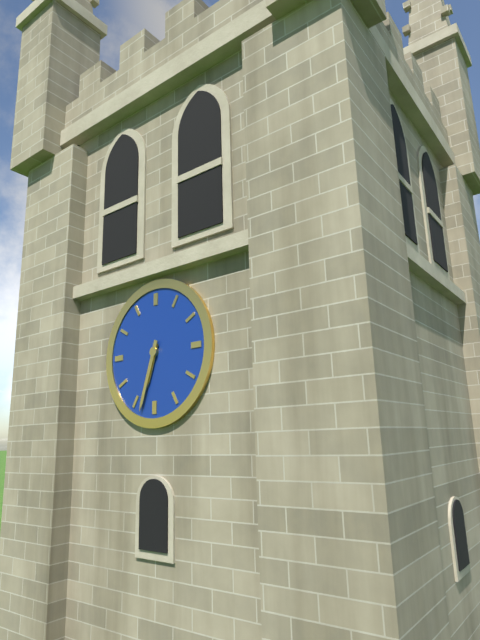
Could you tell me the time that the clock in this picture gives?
6:33
